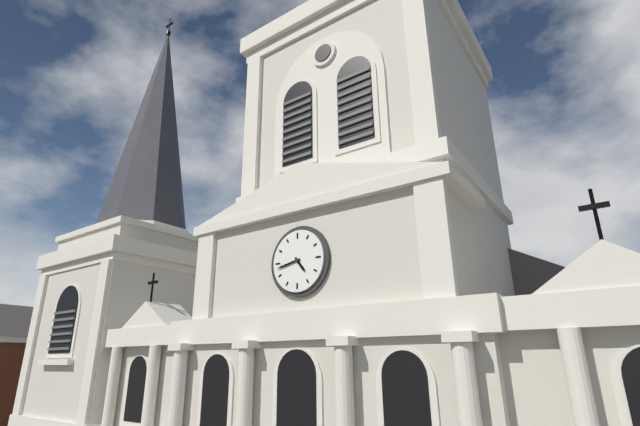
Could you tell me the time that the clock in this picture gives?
4:43
